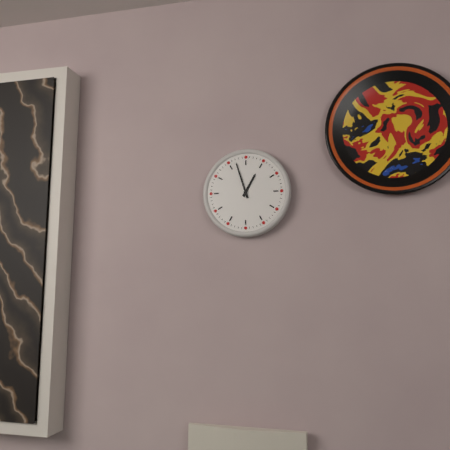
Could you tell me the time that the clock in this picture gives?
12:57
